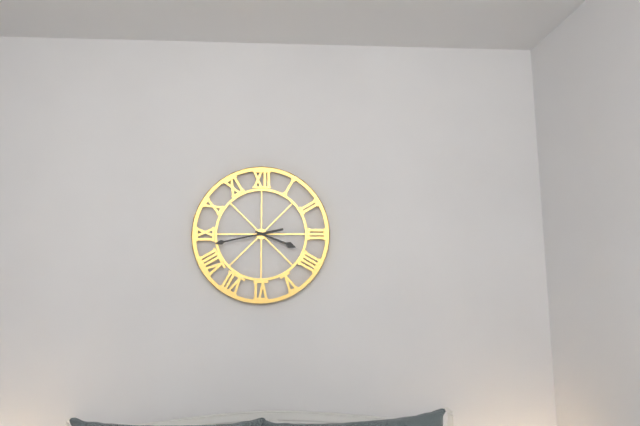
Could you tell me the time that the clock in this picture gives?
3:43
